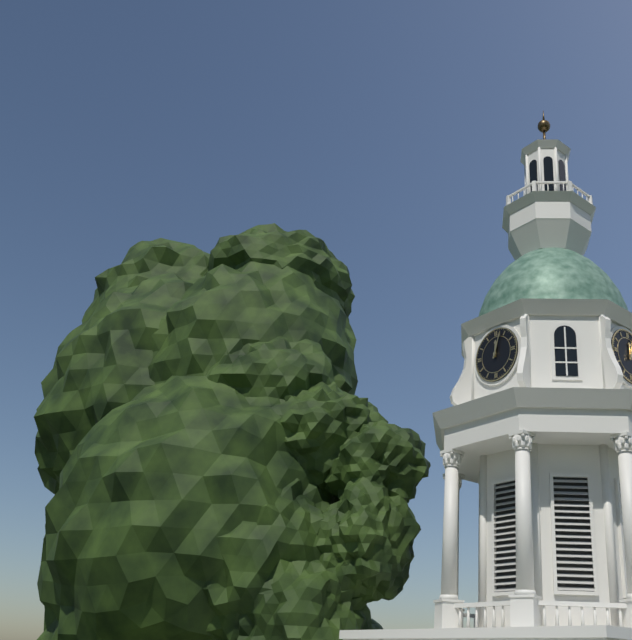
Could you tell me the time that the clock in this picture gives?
12:03
